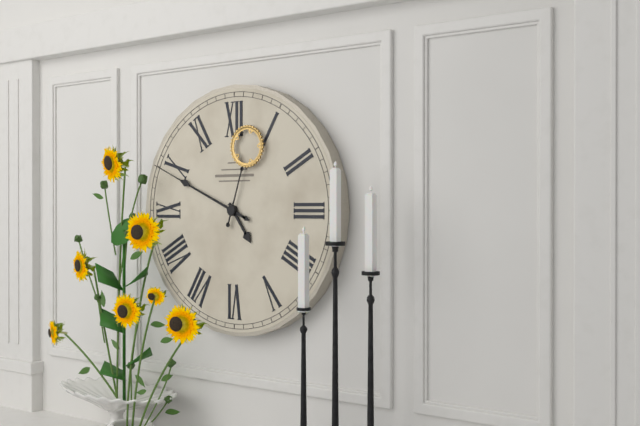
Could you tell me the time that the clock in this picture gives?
4:49:03
